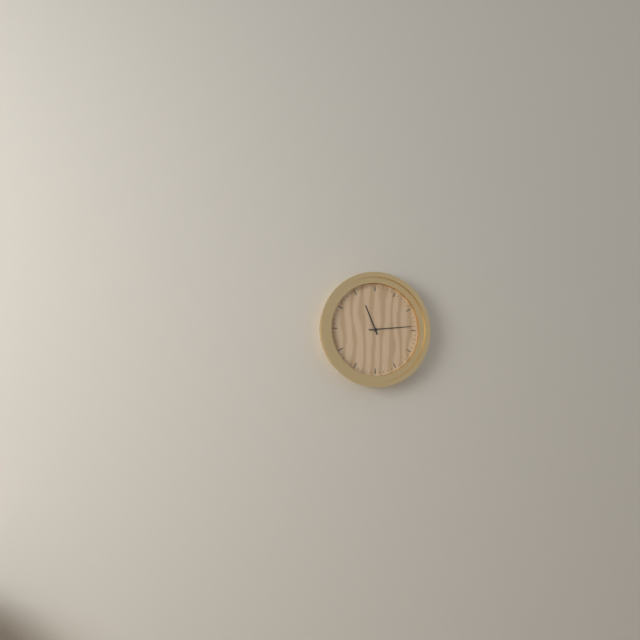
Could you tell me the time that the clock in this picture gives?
11:14
